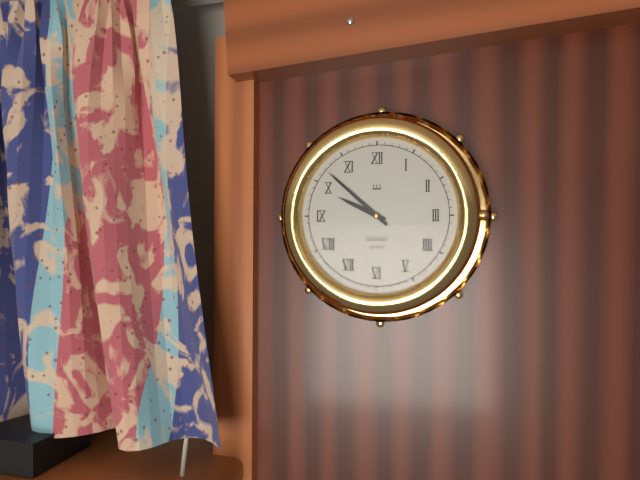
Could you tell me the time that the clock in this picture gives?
9:52
